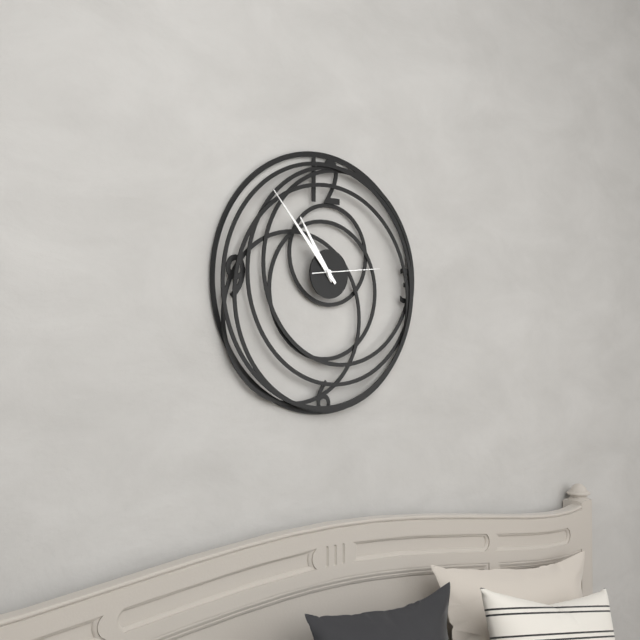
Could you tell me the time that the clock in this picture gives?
10:53:14
